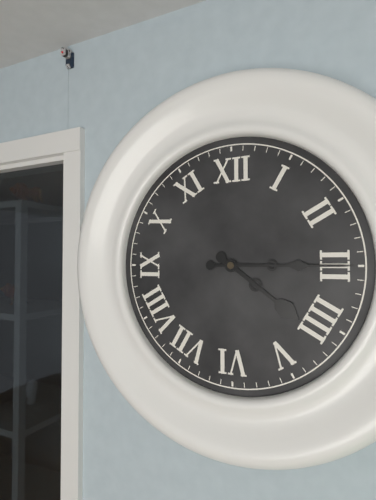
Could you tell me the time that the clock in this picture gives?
4:15
